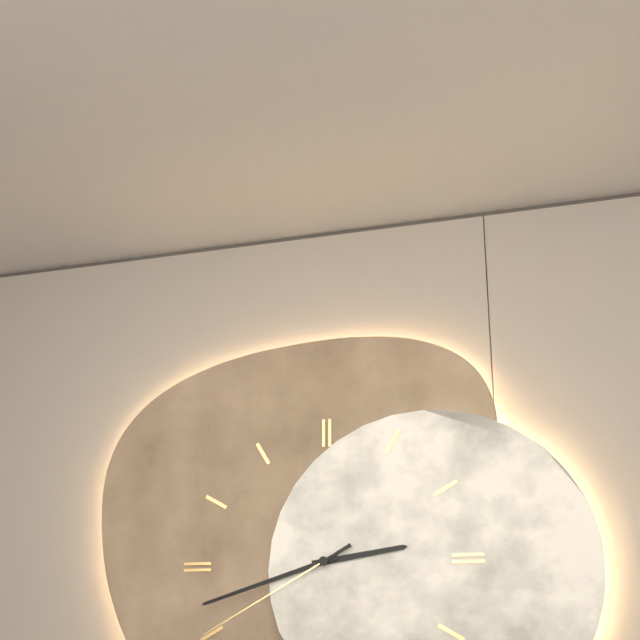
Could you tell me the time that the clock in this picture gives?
2:42:40
